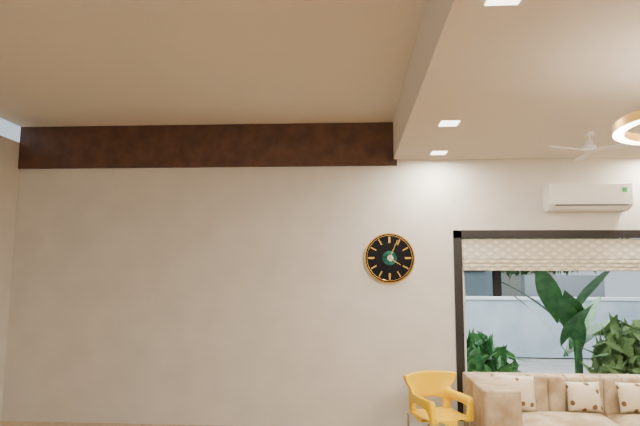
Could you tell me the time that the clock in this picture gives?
4:04
